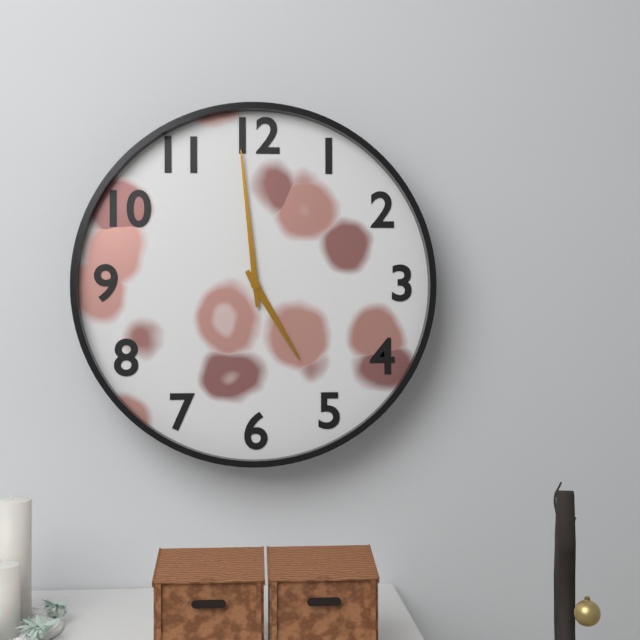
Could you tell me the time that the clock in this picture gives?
4:59
